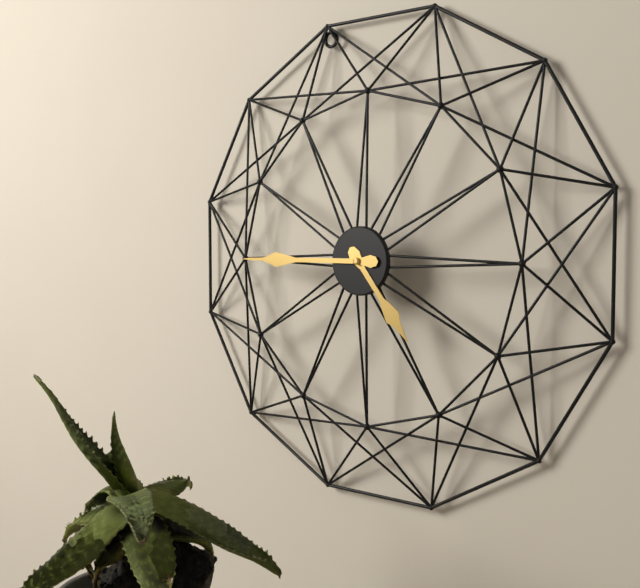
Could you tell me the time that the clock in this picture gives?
4:45
